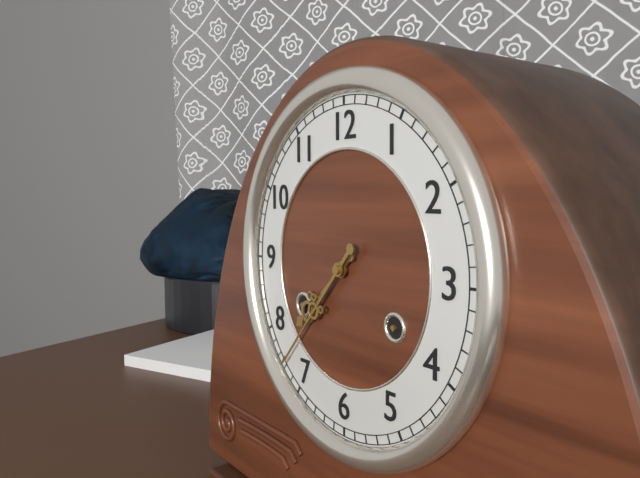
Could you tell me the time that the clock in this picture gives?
7:37
